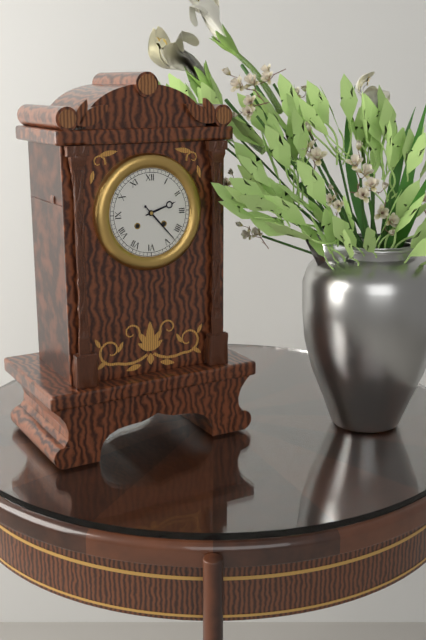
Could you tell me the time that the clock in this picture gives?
2:23
